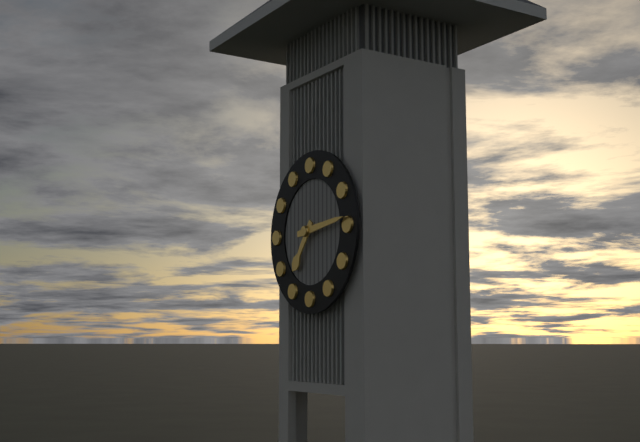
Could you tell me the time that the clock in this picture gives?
7:14
